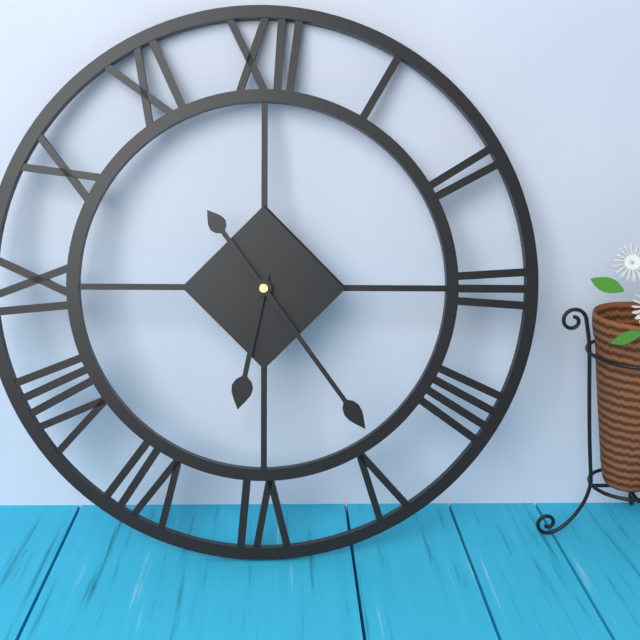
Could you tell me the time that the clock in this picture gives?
6:24
